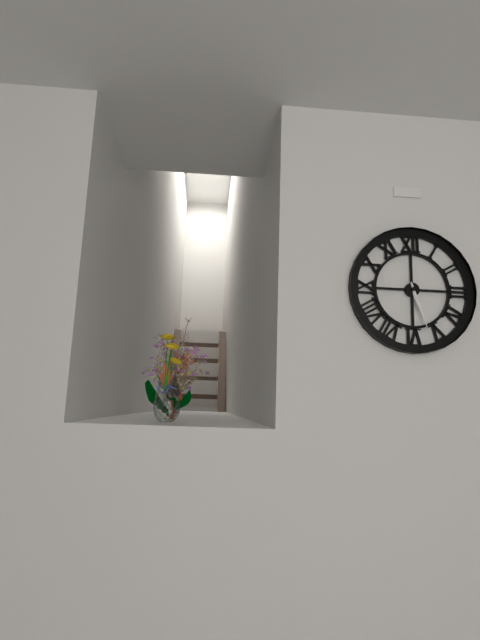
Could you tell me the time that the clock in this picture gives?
5:27
